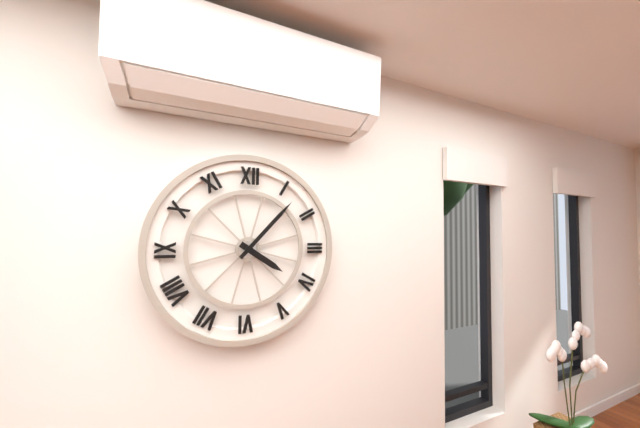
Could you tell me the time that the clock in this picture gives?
4:07
